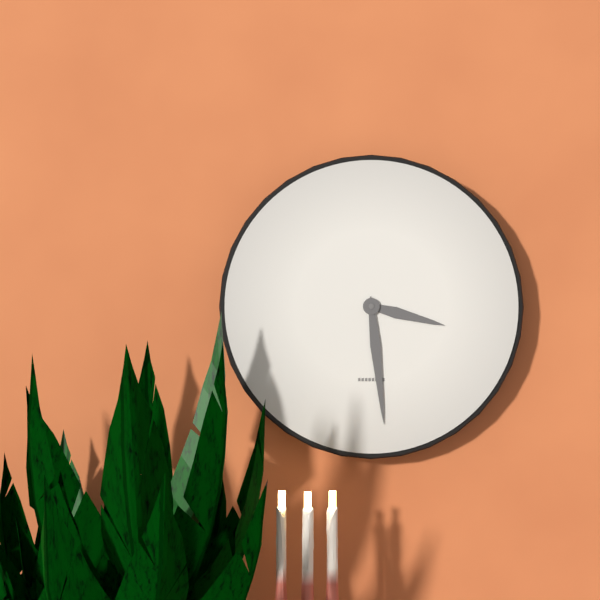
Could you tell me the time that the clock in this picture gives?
3:29
